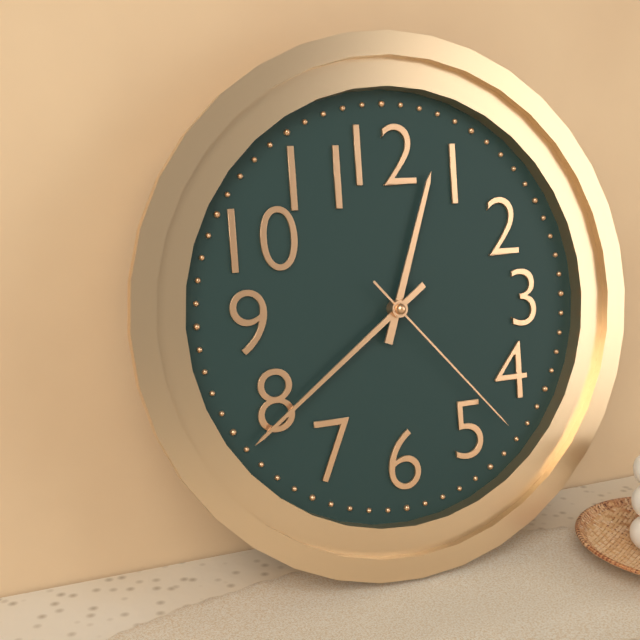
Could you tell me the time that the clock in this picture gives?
12:39:23
